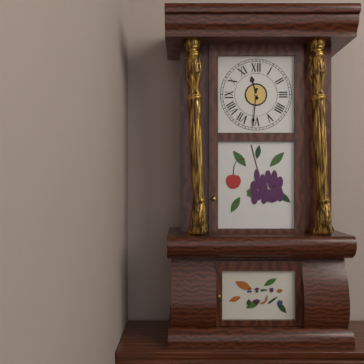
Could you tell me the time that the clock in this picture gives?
11:31
